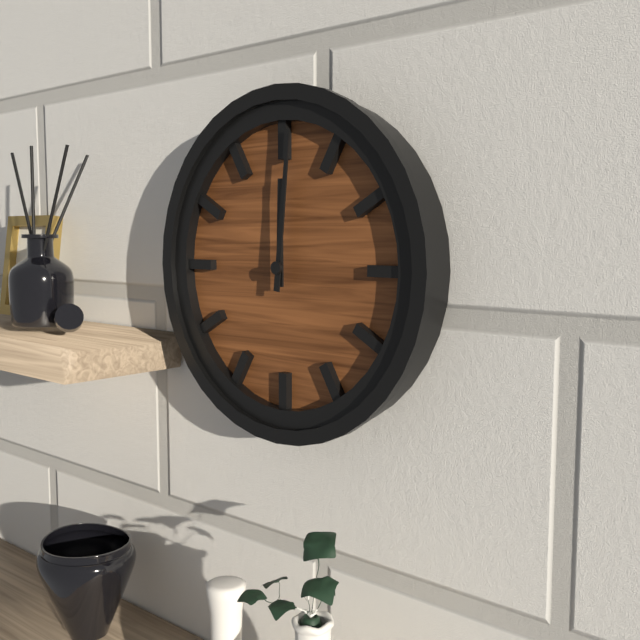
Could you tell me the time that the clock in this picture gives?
12:01
